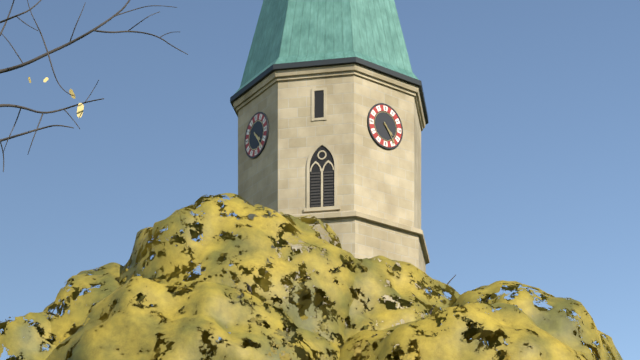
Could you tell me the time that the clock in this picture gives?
4:24
